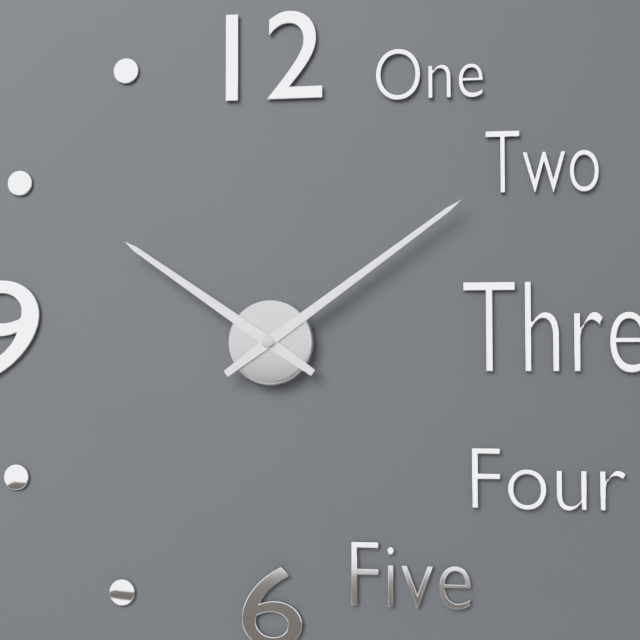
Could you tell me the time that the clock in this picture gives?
10:09
